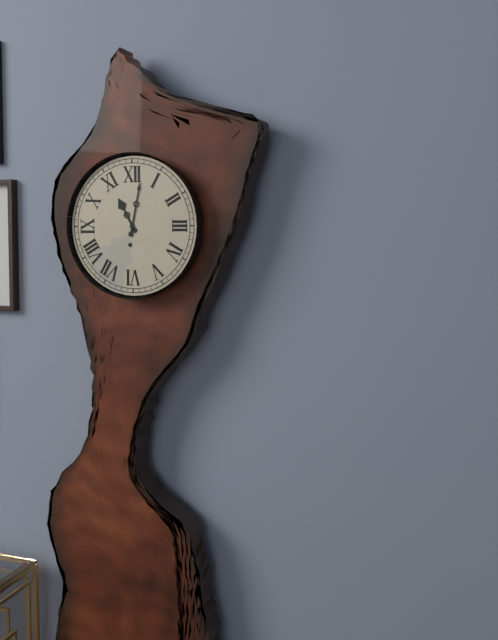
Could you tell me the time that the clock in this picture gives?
11:02
